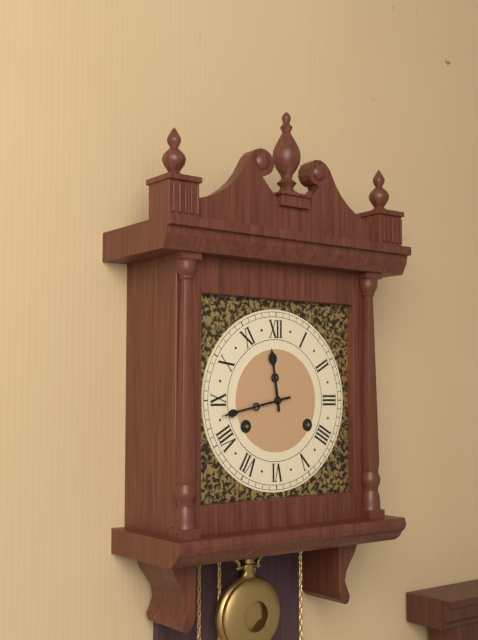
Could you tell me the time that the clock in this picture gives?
11:43
